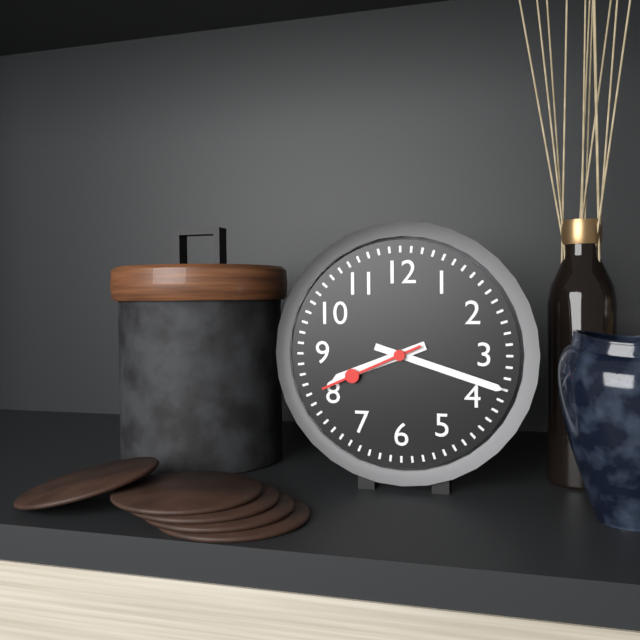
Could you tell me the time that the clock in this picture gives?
8:18:41
